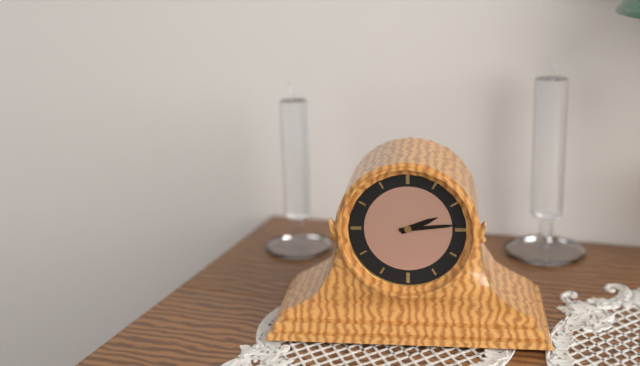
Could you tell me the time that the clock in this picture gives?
2:14
